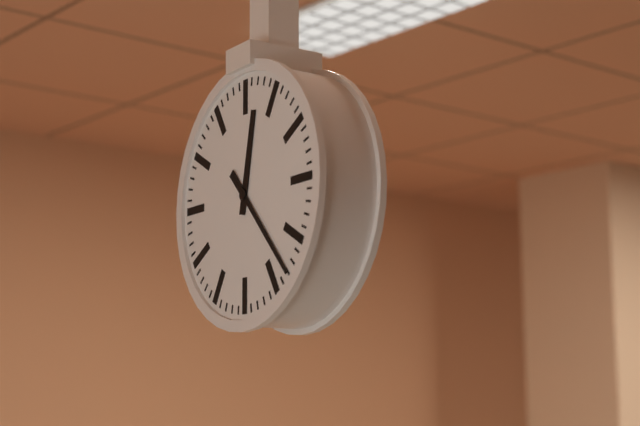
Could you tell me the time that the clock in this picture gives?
12:23
